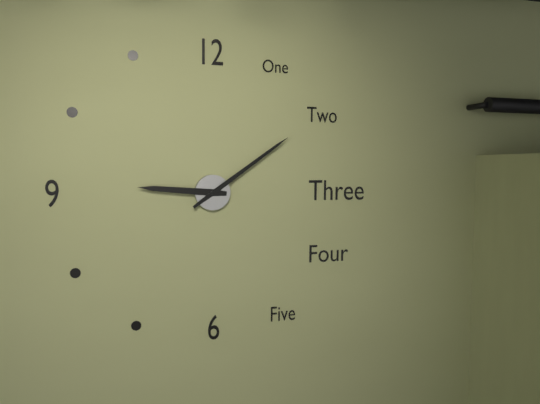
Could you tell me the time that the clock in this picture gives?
9:09
